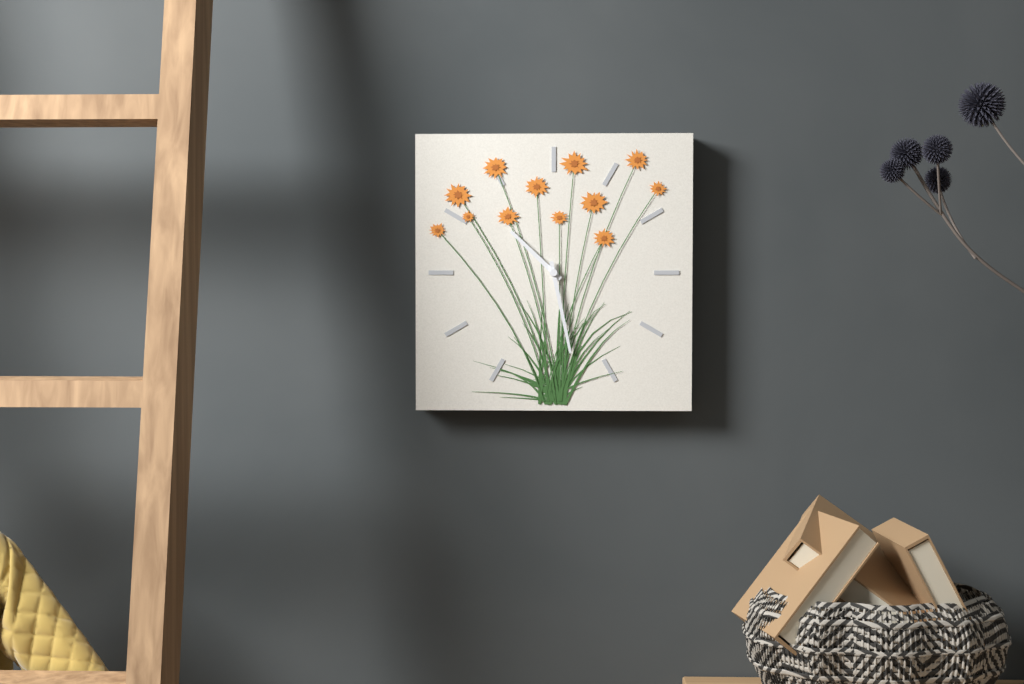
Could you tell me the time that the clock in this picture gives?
10:28
